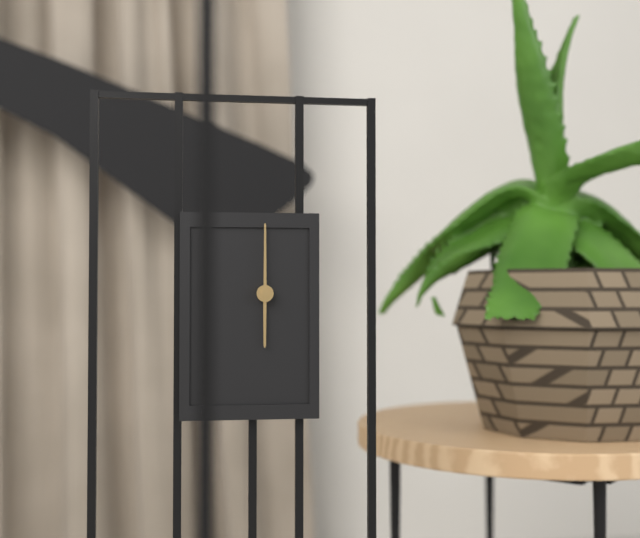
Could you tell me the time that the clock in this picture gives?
6:00
